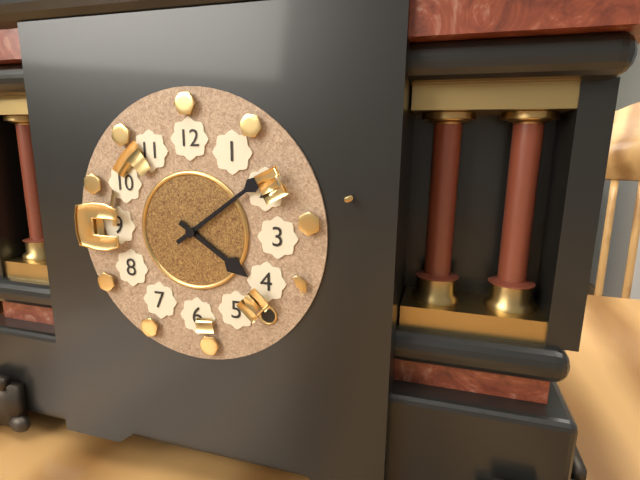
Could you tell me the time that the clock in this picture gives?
4:09
